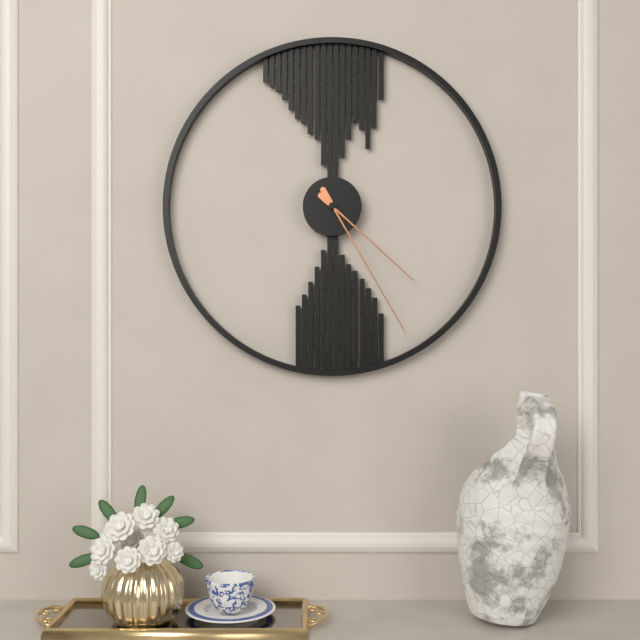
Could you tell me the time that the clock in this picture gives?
4:25
